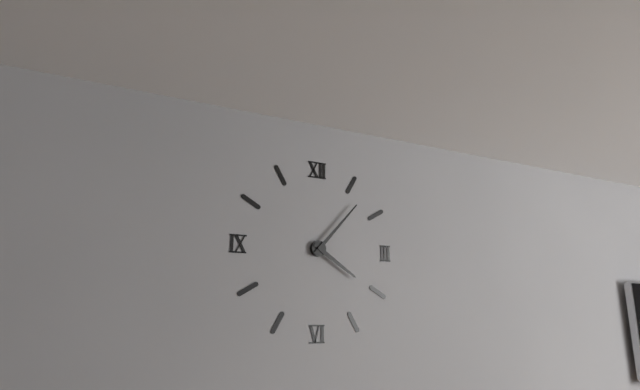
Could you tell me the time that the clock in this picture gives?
4:07
